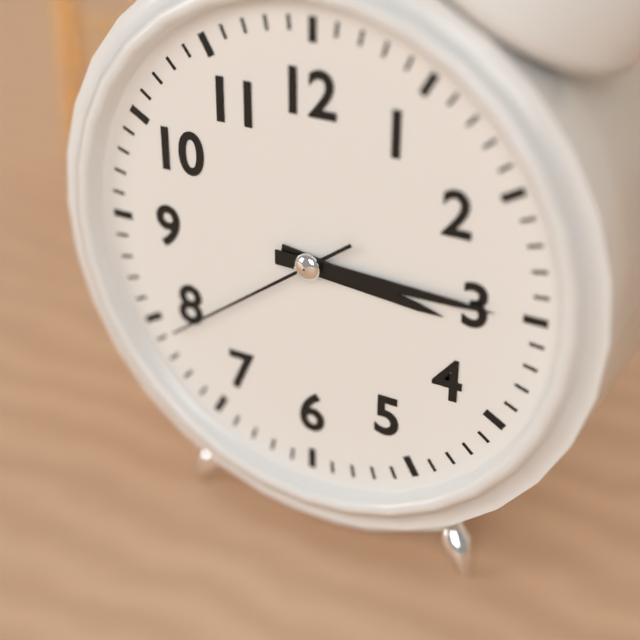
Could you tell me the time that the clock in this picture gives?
3:15:39
